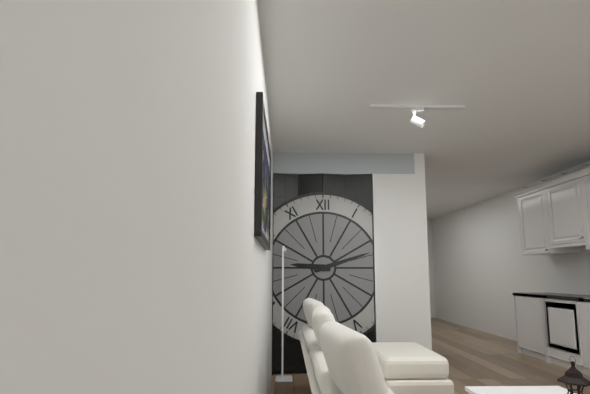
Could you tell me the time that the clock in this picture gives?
9:12
